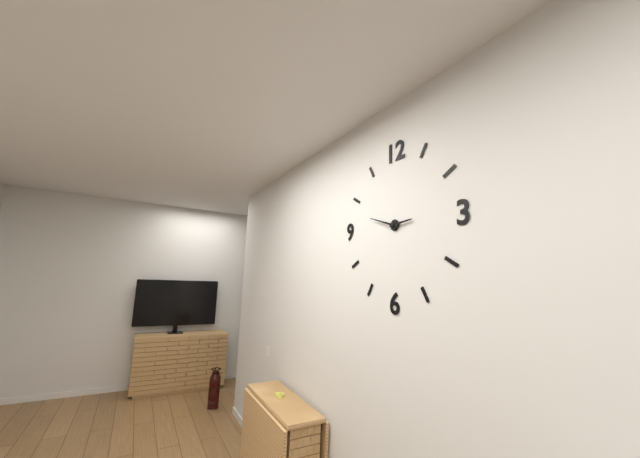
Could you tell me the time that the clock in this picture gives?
2:48
